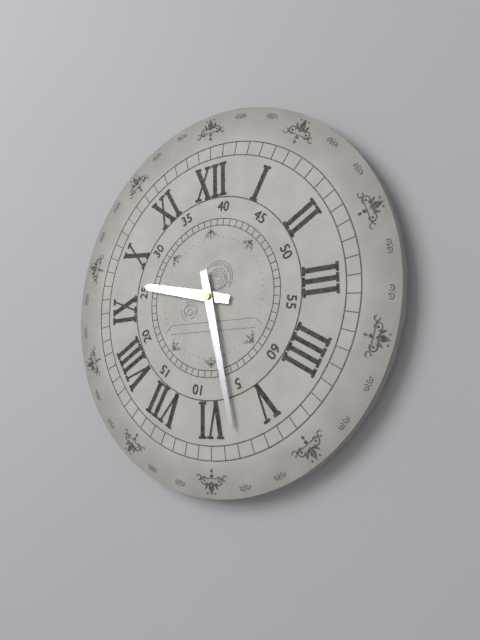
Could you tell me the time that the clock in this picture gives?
9:28
